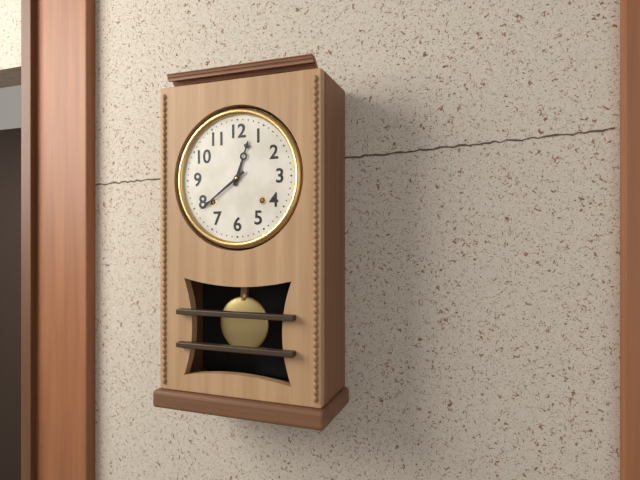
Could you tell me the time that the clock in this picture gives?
12:39
